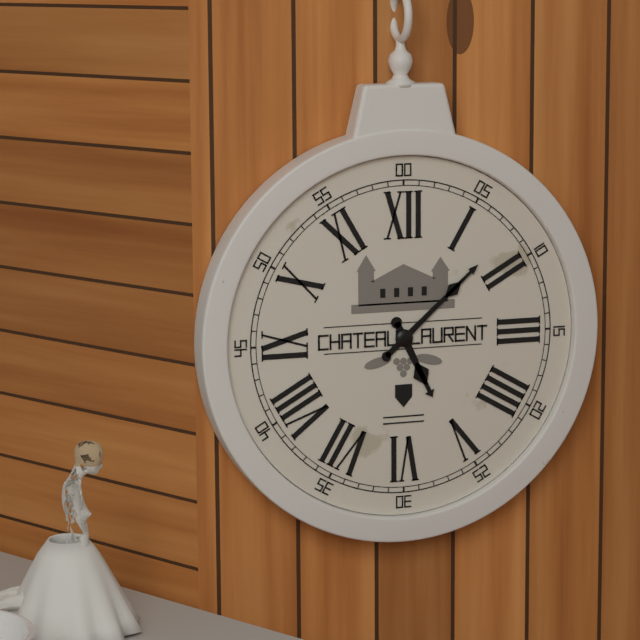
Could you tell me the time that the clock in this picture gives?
5:08
